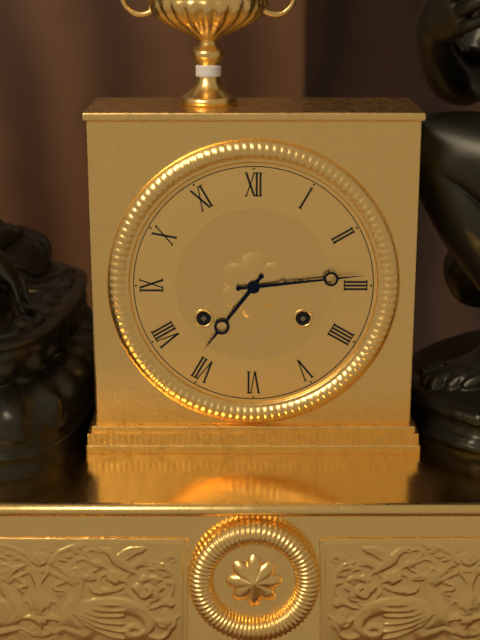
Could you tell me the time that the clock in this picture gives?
7:14
